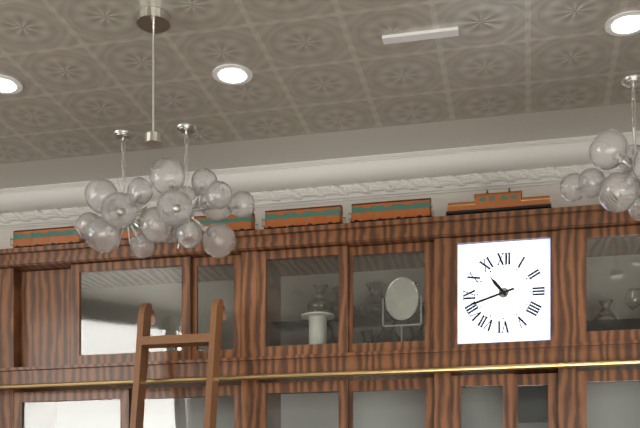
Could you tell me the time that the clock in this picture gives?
10:42
